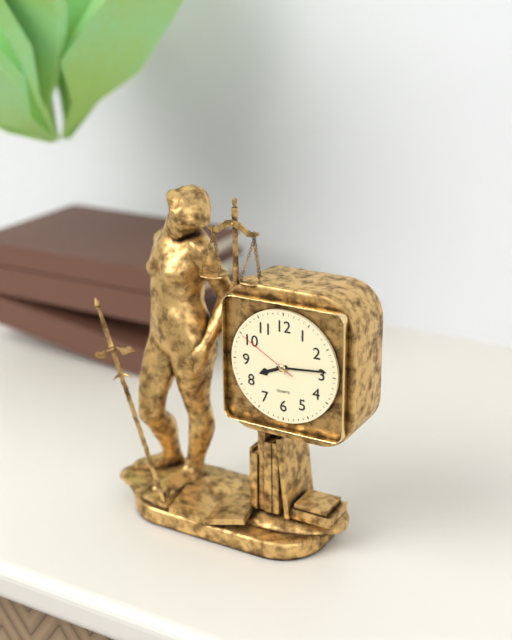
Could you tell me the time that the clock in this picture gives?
8:14:50
